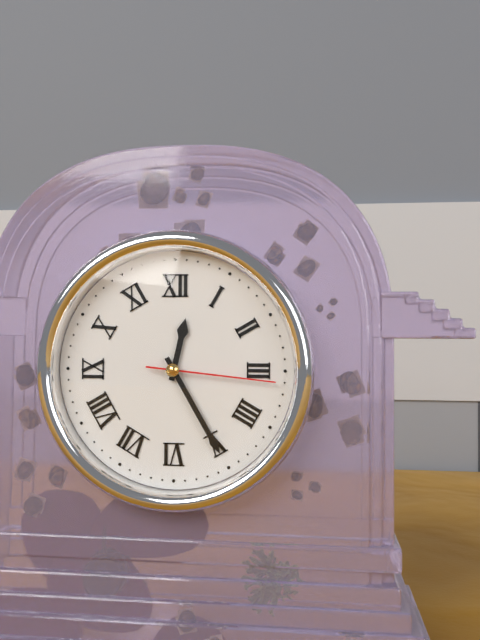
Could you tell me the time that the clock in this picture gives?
12:25:16
